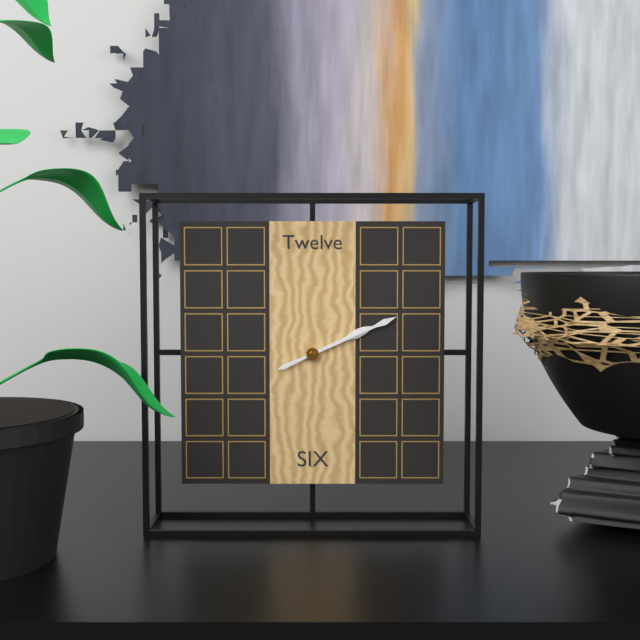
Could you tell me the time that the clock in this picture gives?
2:11
